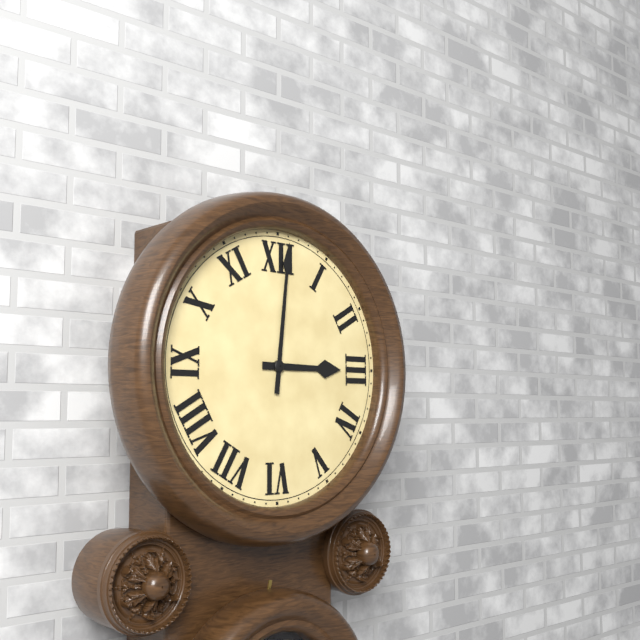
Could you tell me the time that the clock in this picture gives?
3:01
